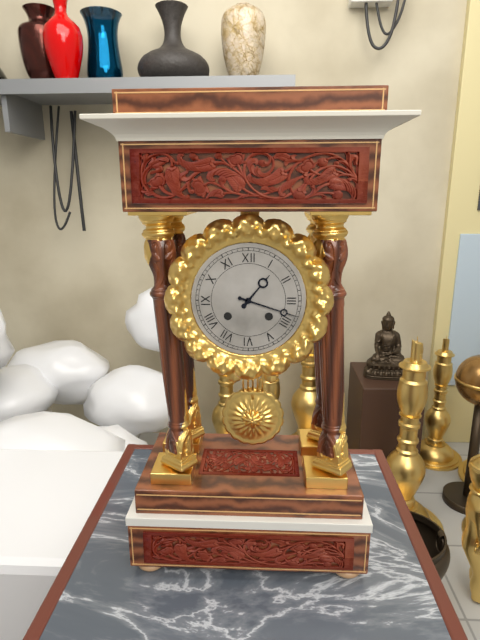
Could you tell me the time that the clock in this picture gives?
1:18
